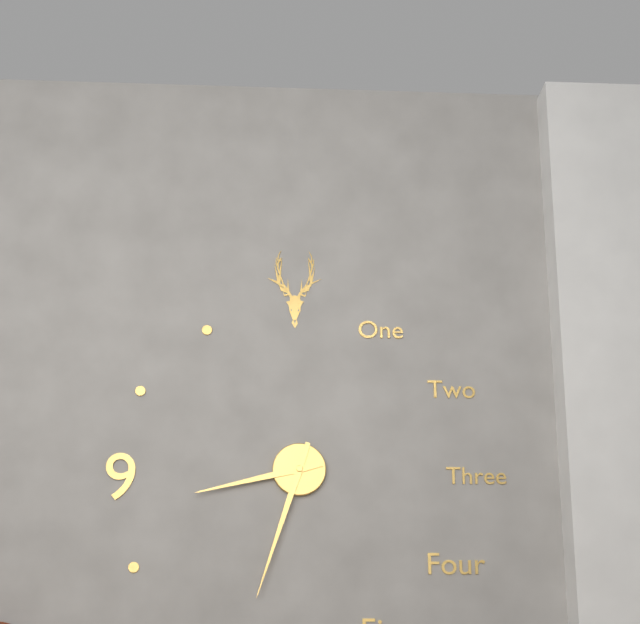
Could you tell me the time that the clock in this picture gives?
8:33
